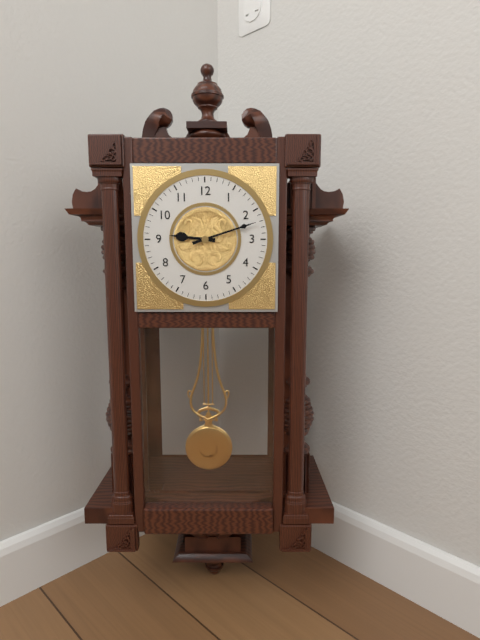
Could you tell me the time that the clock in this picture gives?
9:12
